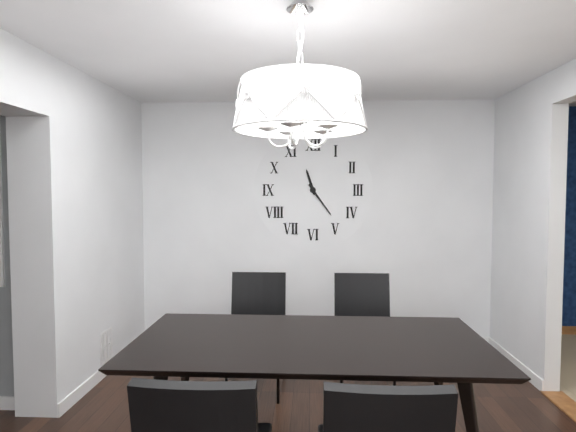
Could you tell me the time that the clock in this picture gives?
11:24
